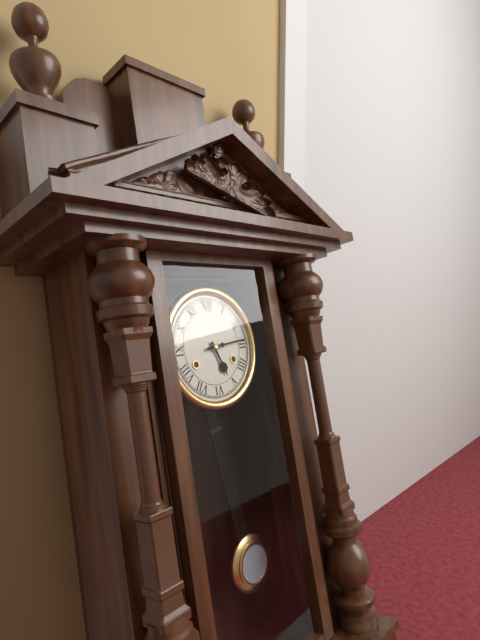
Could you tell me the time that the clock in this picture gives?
5:14
